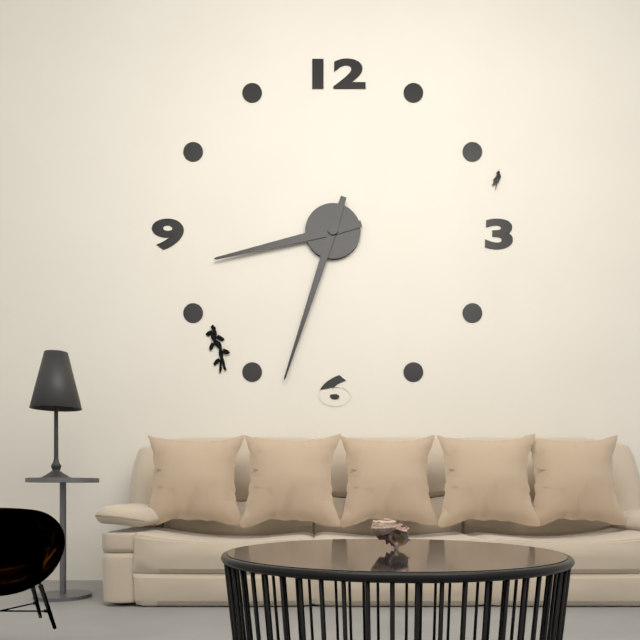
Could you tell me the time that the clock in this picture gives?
8:33
